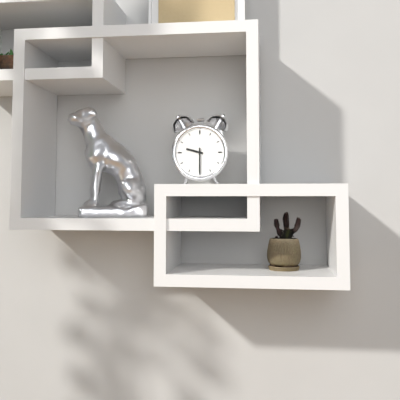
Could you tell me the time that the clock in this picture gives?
9:30
